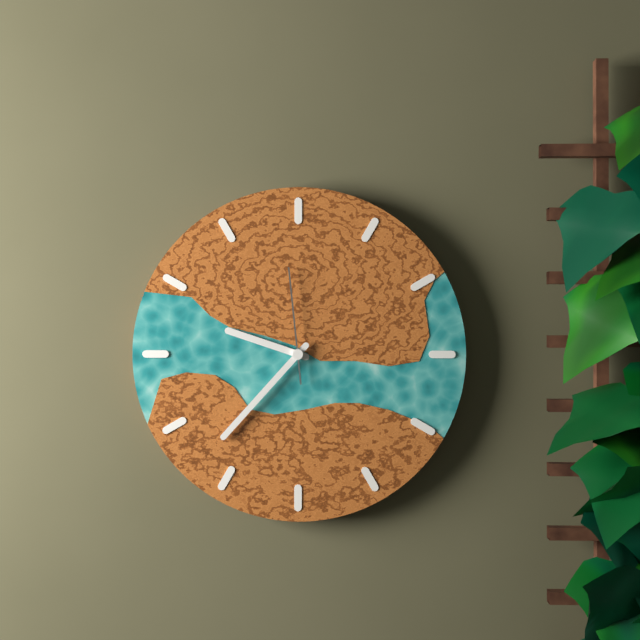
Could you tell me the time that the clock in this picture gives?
9:37:59
